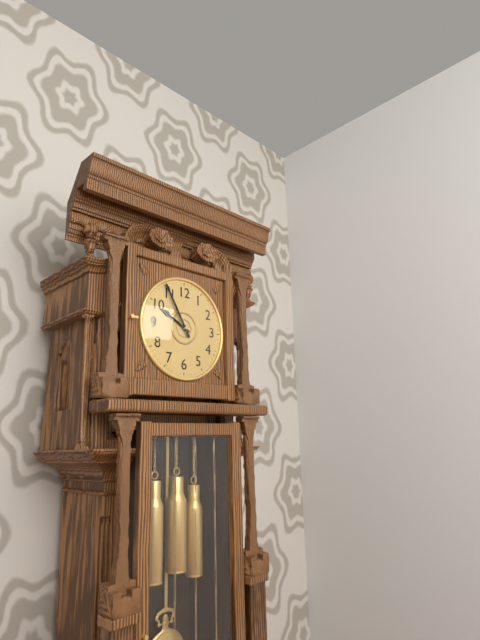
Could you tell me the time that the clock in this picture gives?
9:55
